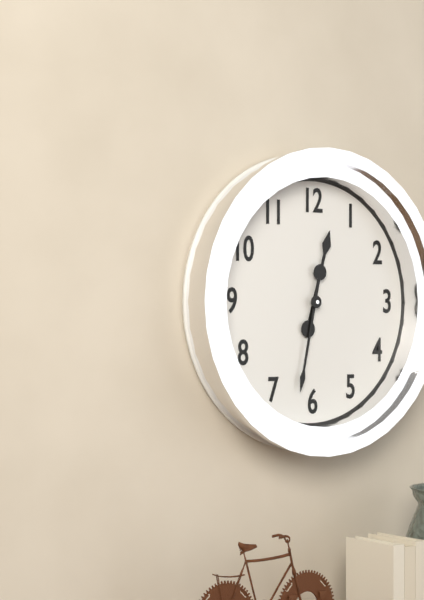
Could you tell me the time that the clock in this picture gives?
12:32
